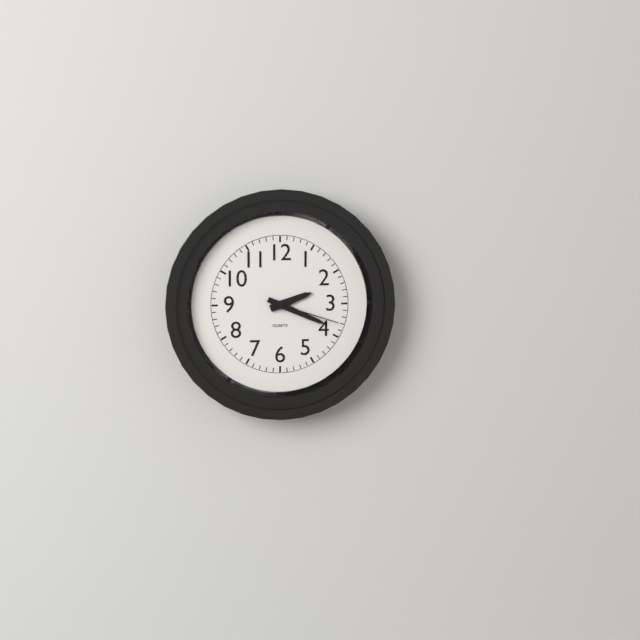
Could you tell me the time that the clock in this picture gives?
2:19:18
